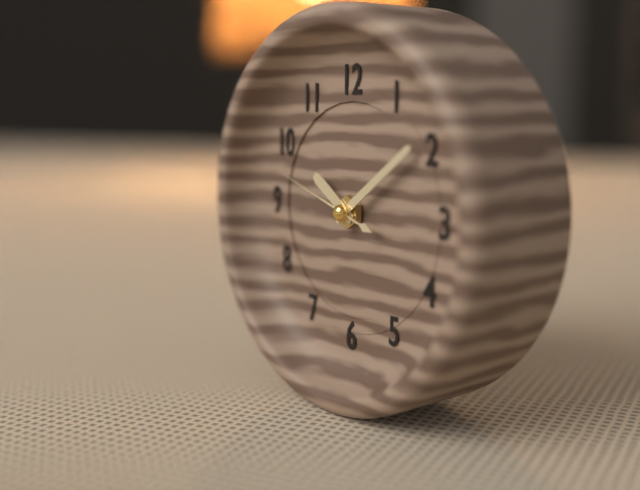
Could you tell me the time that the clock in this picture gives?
10:09:48
